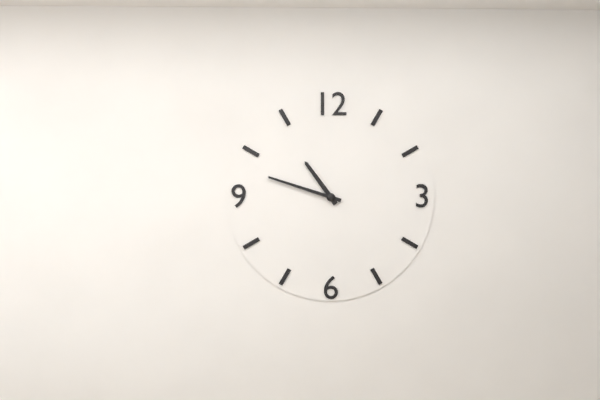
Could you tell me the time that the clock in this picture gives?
10:48
